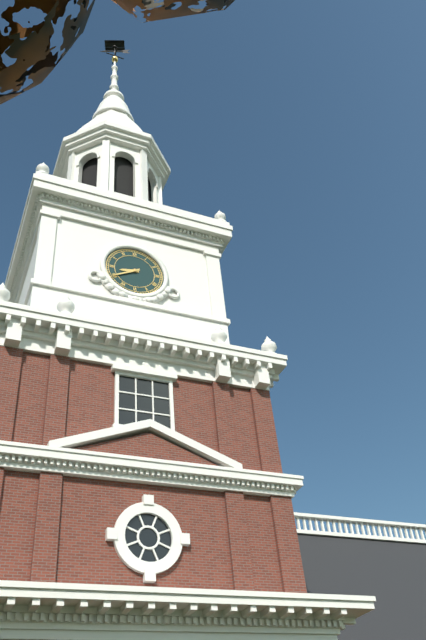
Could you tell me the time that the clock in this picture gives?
8:40
